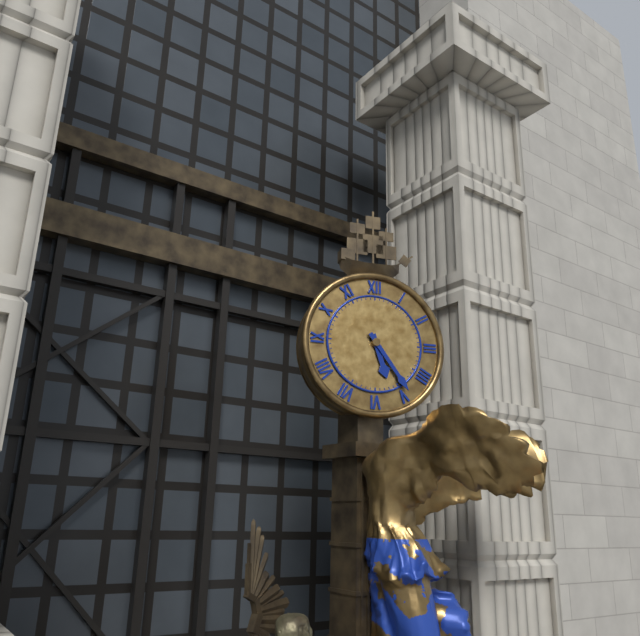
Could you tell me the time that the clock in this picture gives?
5:24
